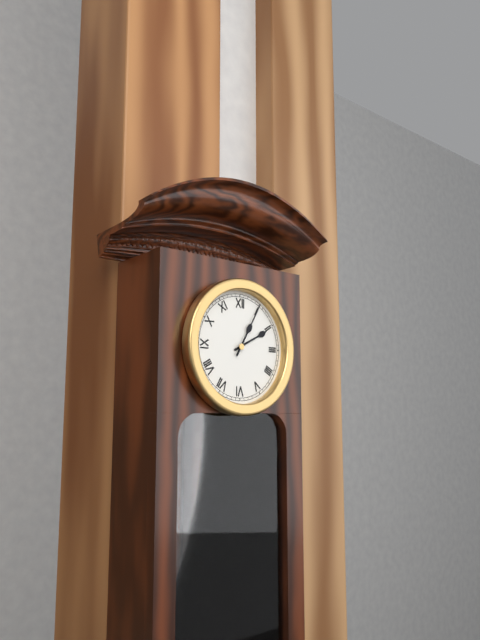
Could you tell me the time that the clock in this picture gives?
2:05
